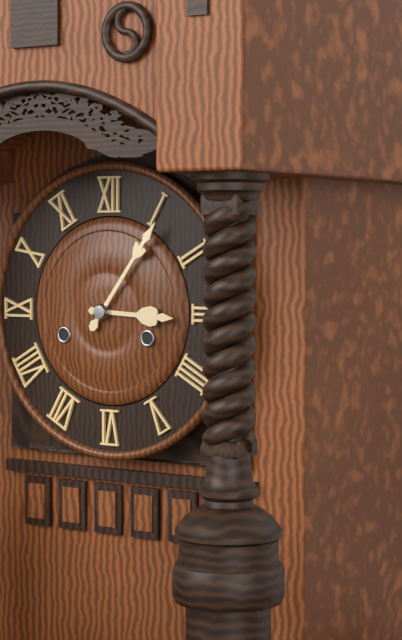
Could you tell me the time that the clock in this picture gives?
3:06
